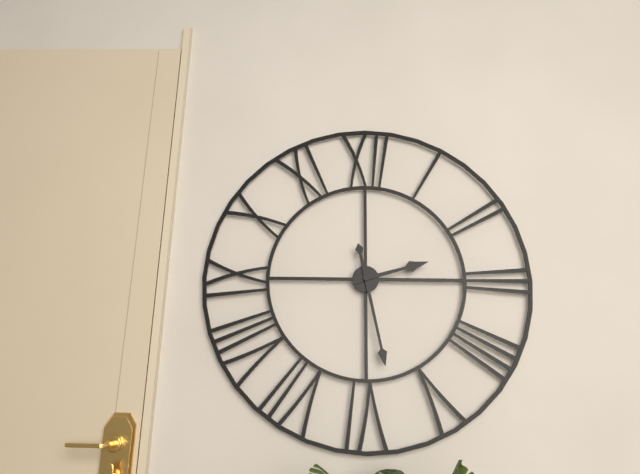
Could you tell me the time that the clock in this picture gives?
2:28
